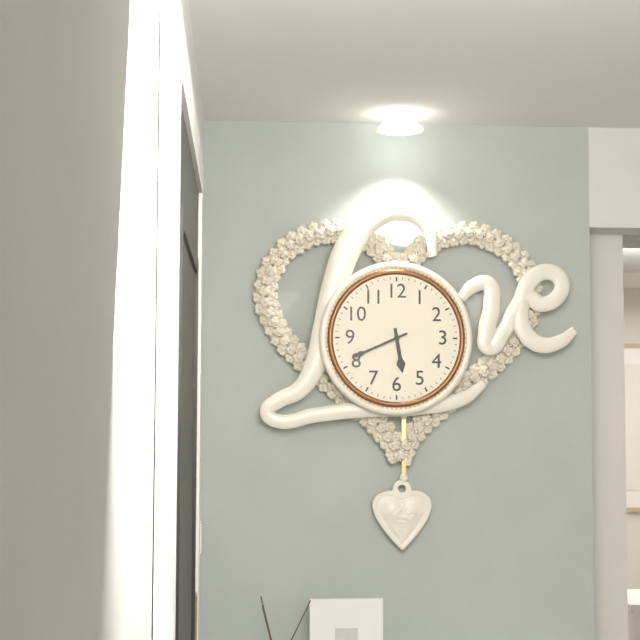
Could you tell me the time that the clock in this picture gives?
5:41
